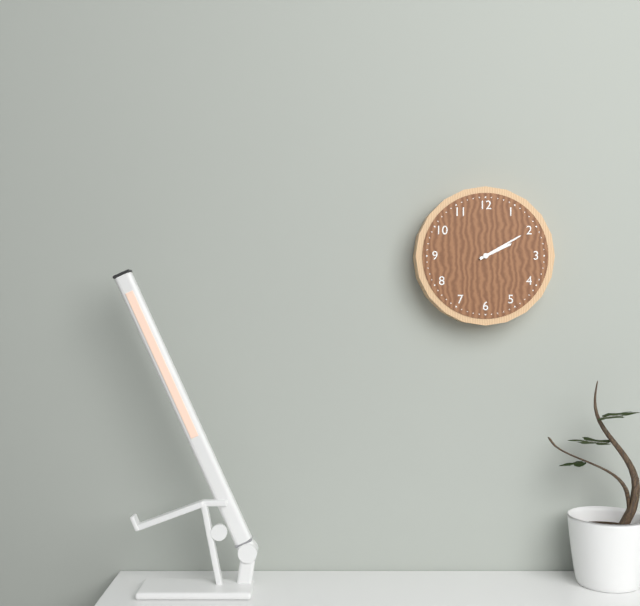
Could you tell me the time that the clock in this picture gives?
2:10
